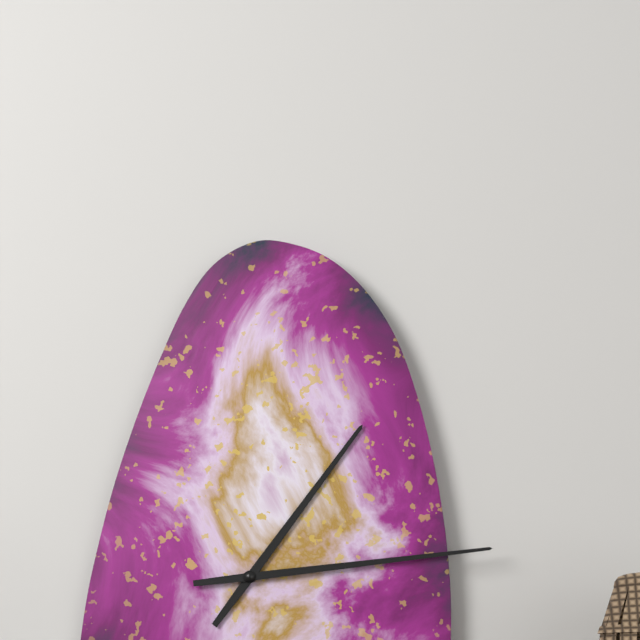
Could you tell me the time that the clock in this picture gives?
1:14
